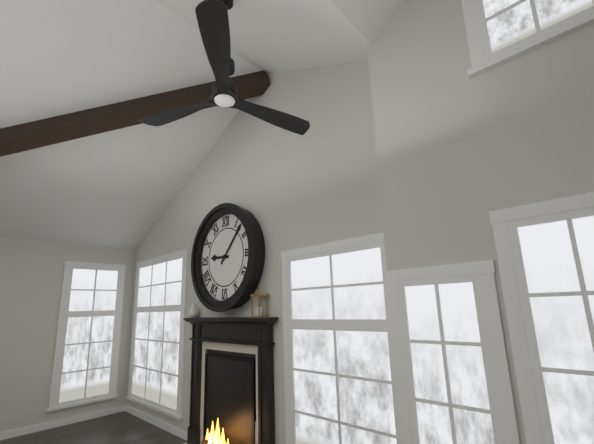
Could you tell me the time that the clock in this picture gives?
9:07
